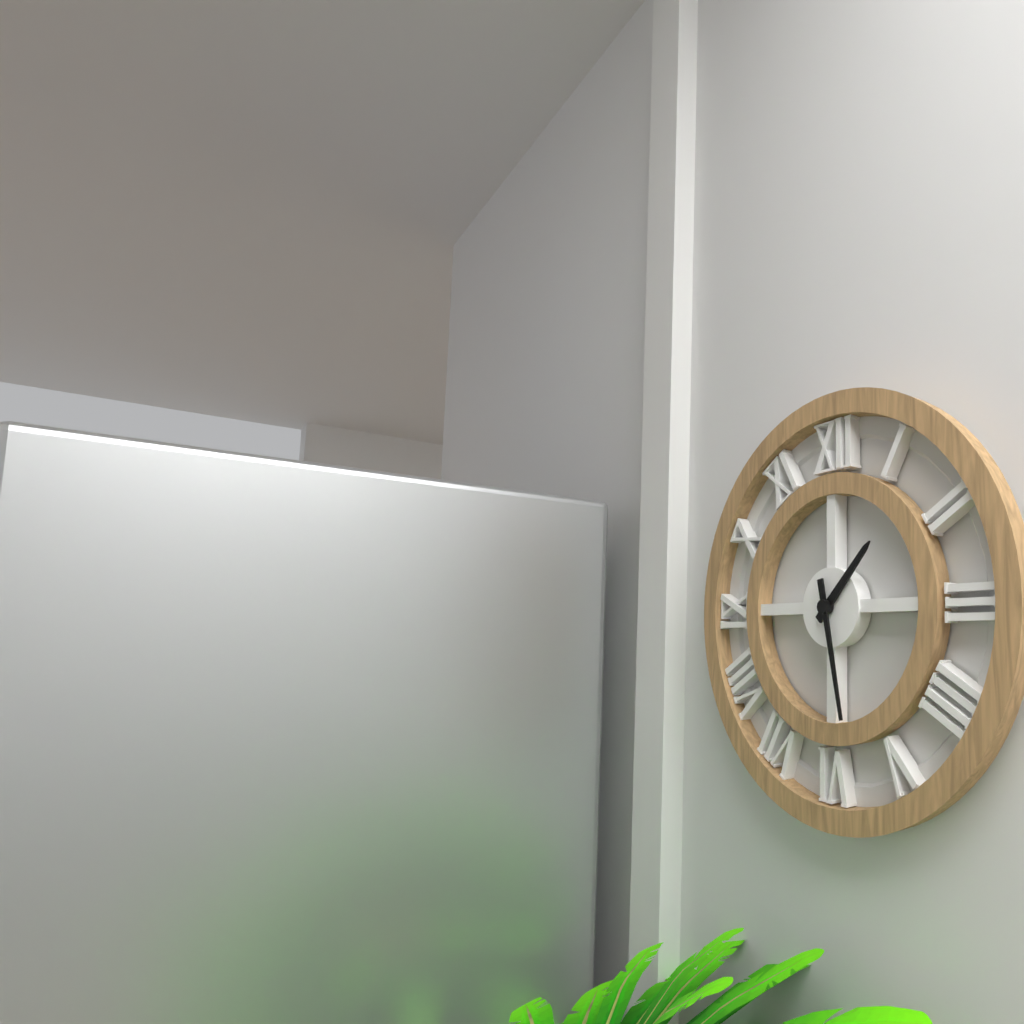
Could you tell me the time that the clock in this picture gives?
1:28
